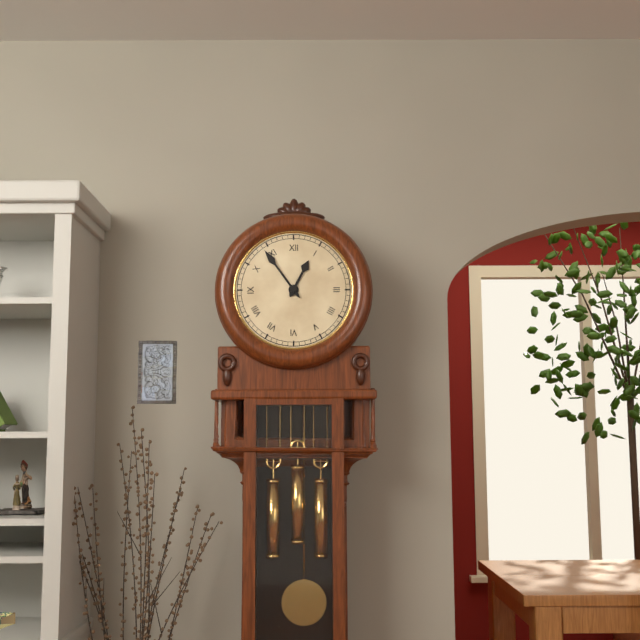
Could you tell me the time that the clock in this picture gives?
12:54
